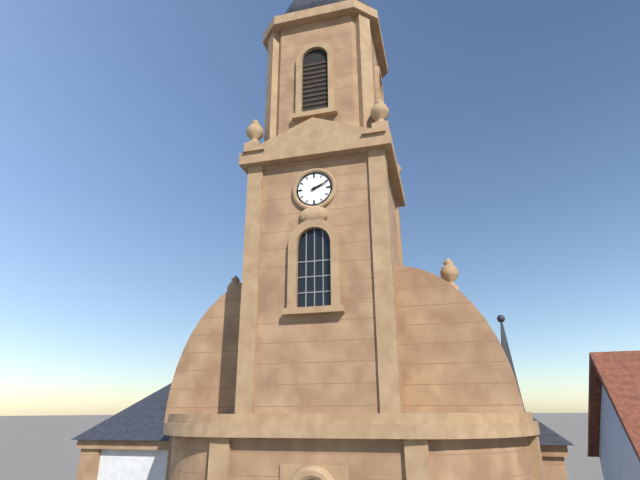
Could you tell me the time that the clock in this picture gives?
2:11
